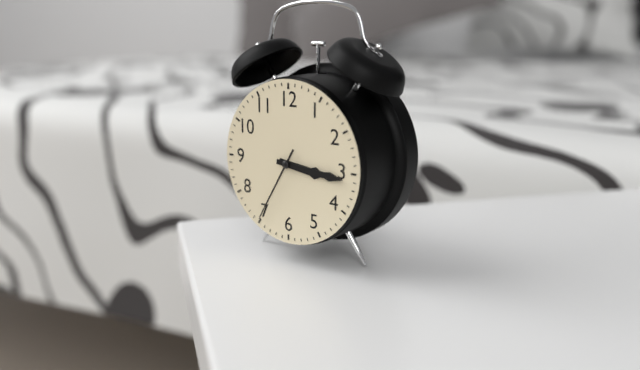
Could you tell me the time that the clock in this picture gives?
3:16:35
